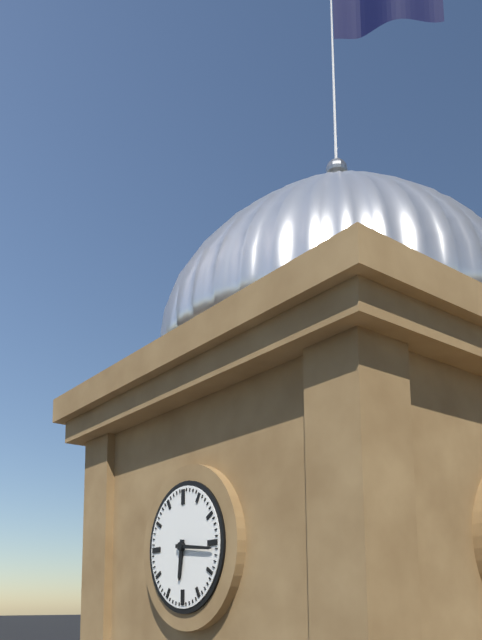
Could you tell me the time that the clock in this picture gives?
6:16
